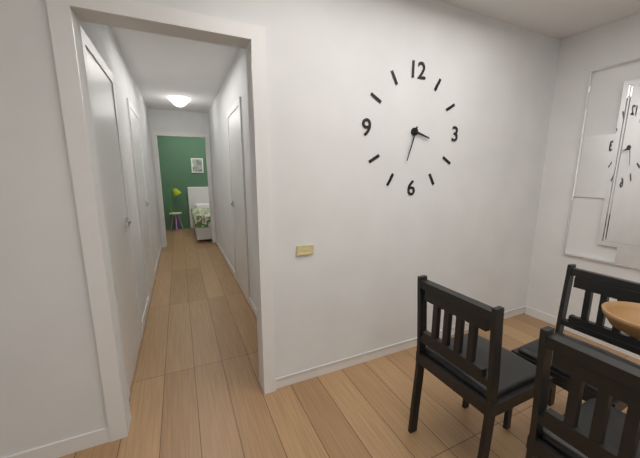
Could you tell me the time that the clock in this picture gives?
3:33
